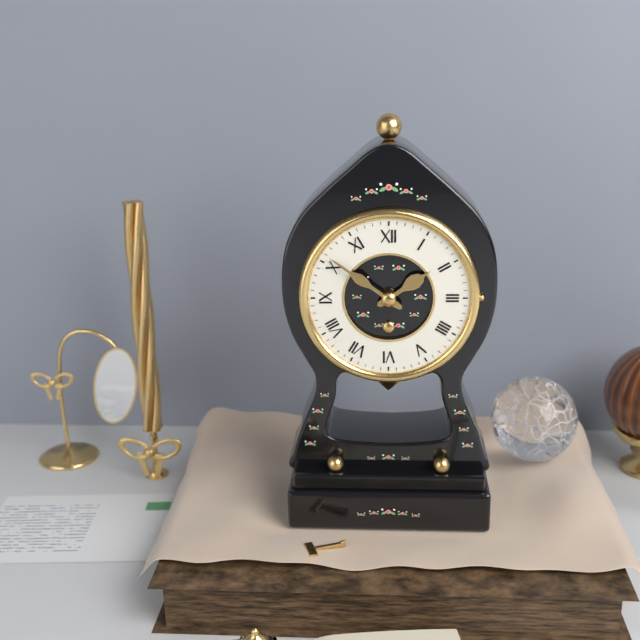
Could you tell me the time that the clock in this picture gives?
1:51
